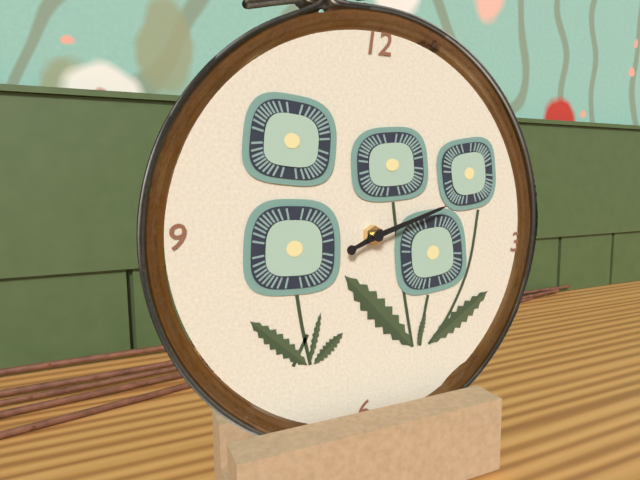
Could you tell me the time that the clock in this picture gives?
8:12
